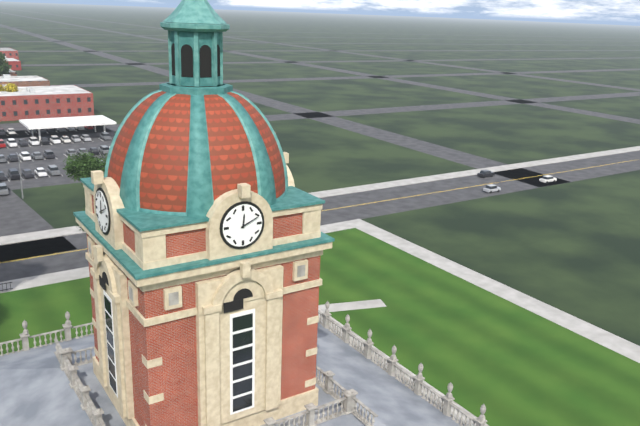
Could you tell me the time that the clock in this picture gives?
12:11
